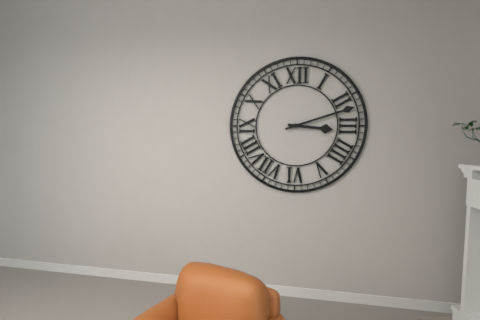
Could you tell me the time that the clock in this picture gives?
3:12
